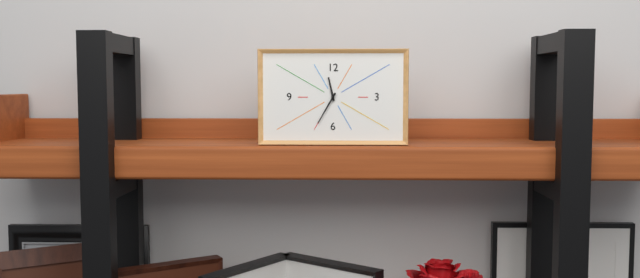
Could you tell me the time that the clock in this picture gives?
11:35
